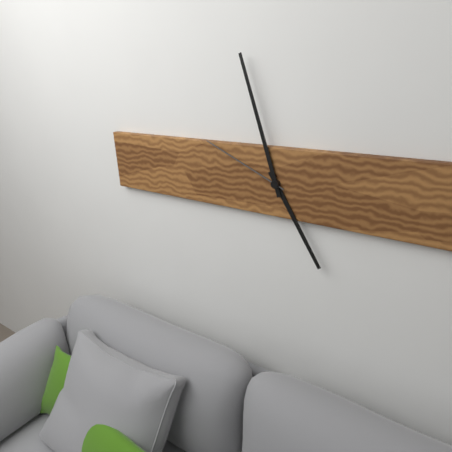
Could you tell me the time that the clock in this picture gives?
4:57:49
